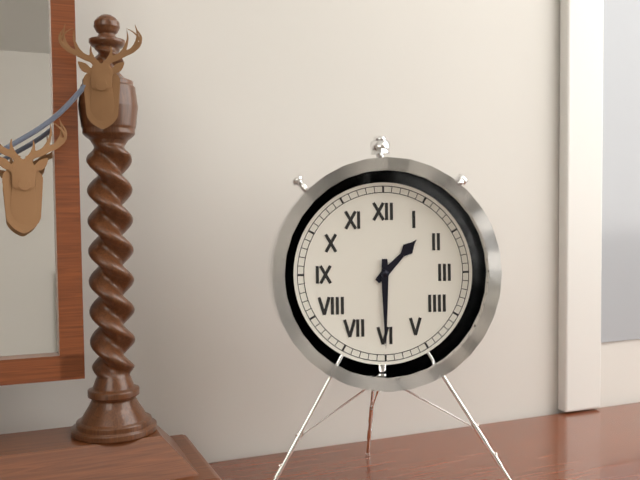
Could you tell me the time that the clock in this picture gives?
1:30
